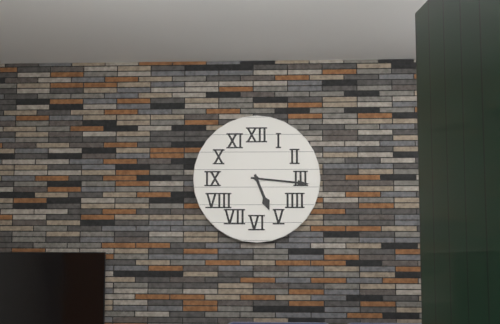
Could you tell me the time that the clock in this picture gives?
5:16
